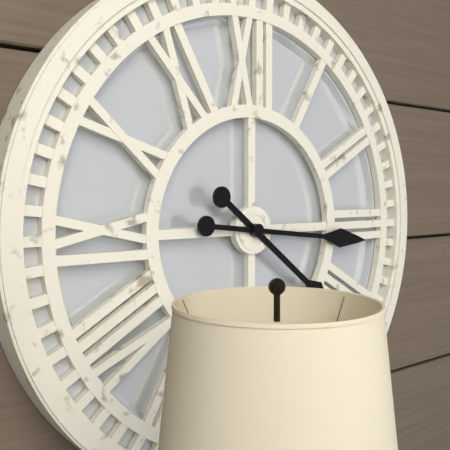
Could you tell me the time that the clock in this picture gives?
4:16
